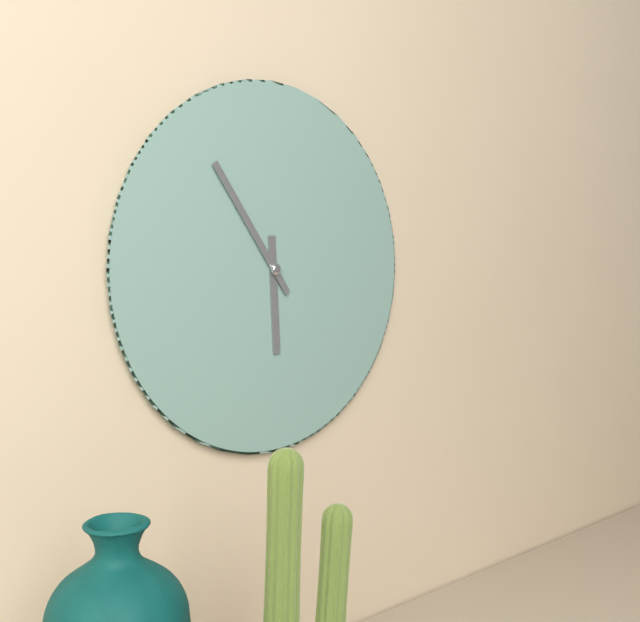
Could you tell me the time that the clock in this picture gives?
5:54
